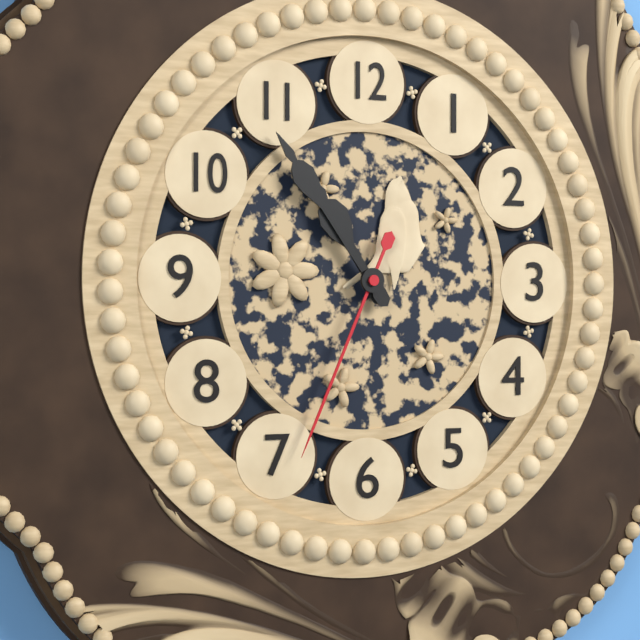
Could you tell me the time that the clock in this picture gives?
10:54:34
